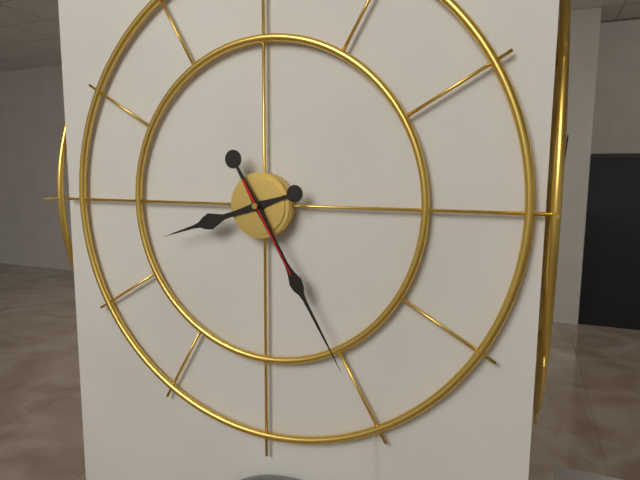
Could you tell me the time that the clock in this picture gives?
8:25:25
